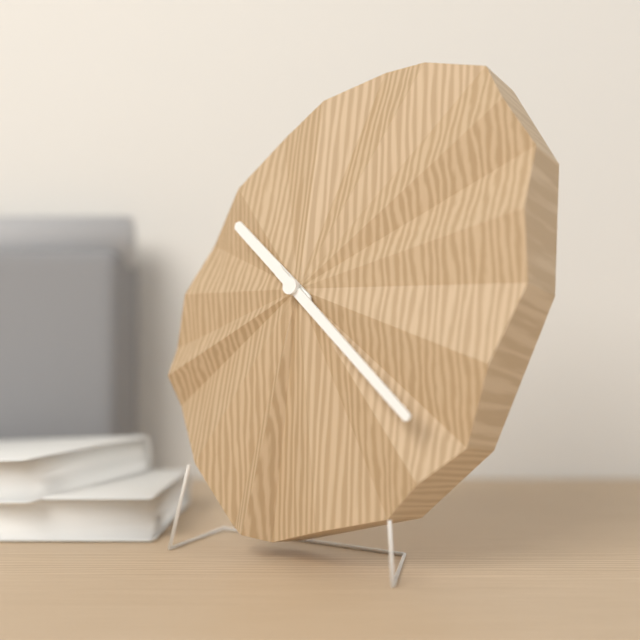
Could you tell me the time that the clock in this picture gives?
10:22
